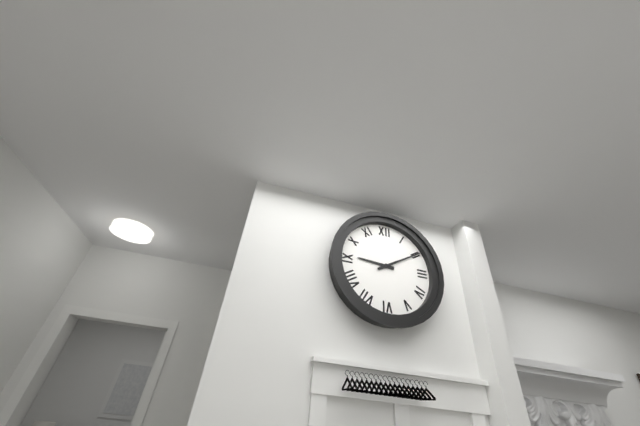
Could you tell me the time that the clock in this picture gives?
9:10
